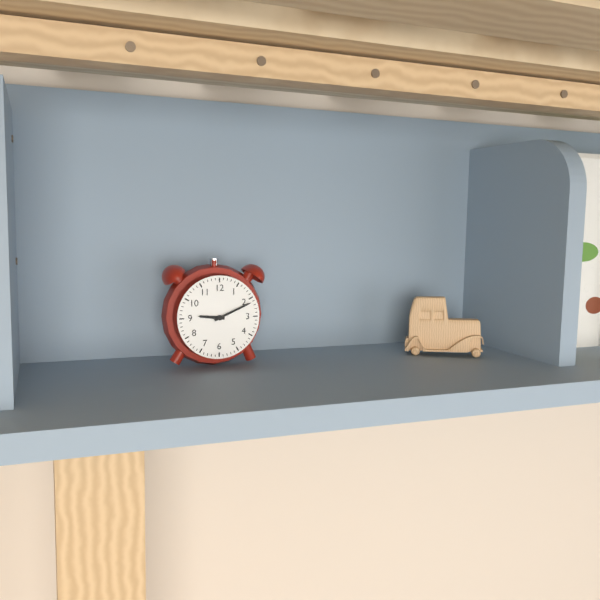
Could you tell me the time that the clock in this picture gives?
9:11
